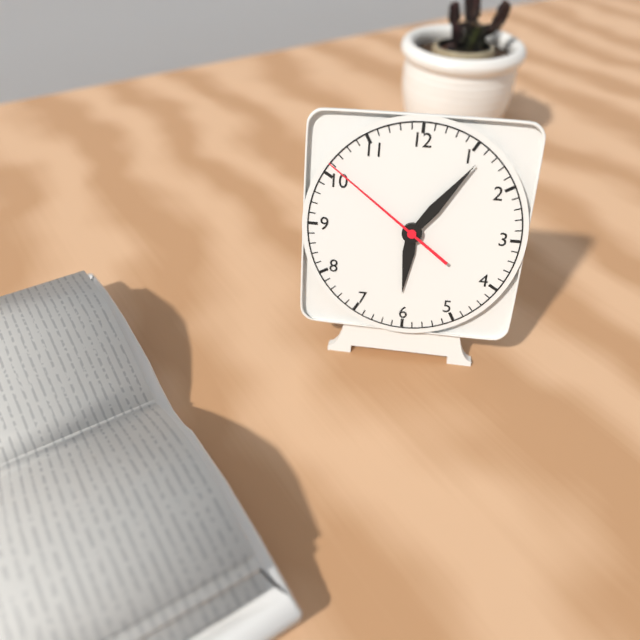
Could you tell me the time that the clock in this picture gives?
6:06:51
